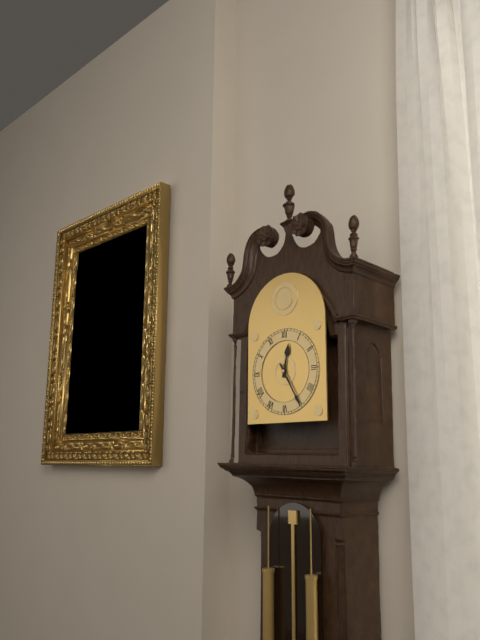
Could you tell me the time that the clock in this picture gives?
12:25
